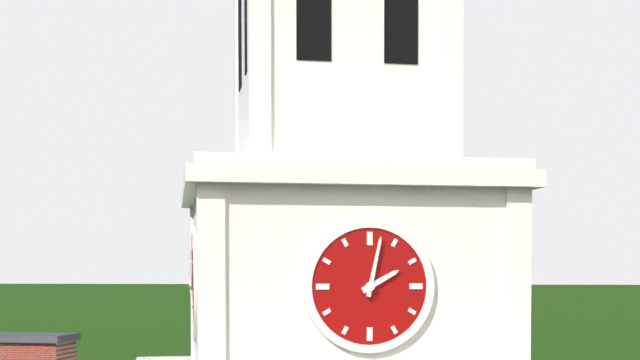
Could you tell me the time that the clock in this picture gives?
2:02
